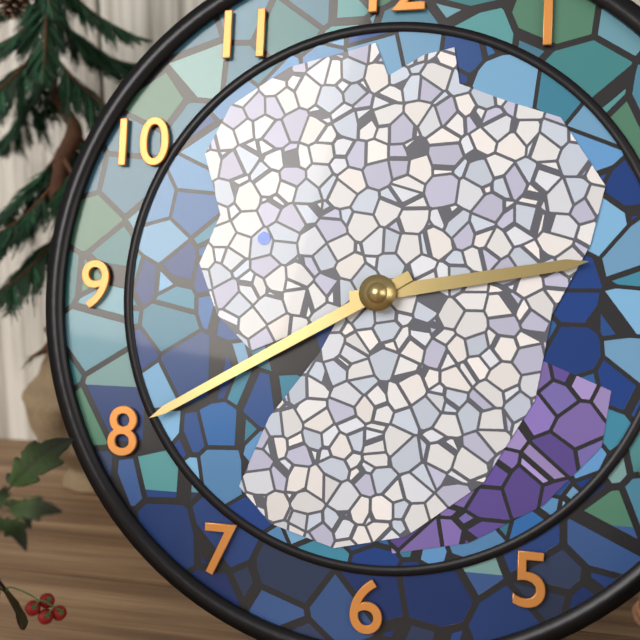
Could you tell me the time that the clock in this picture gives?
2:40
